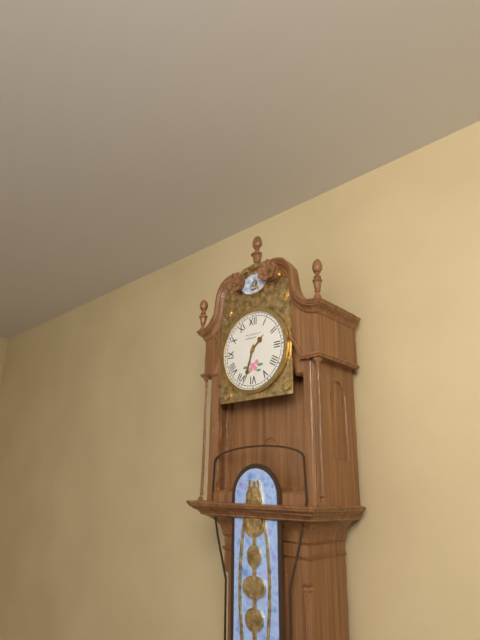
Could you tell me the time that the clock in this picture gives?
1:33
